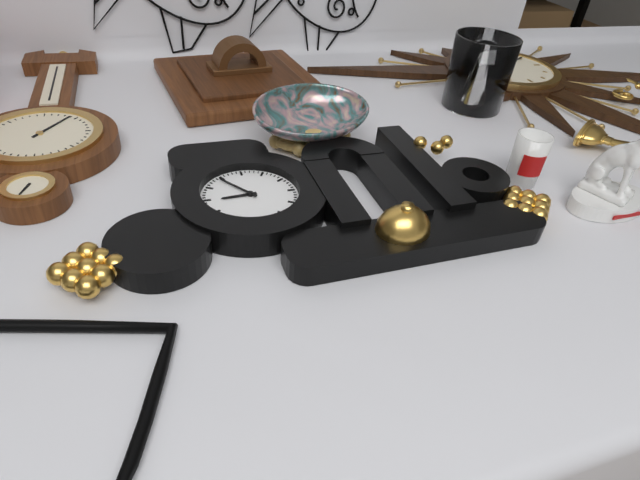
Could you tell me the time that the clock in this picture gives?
8:54
